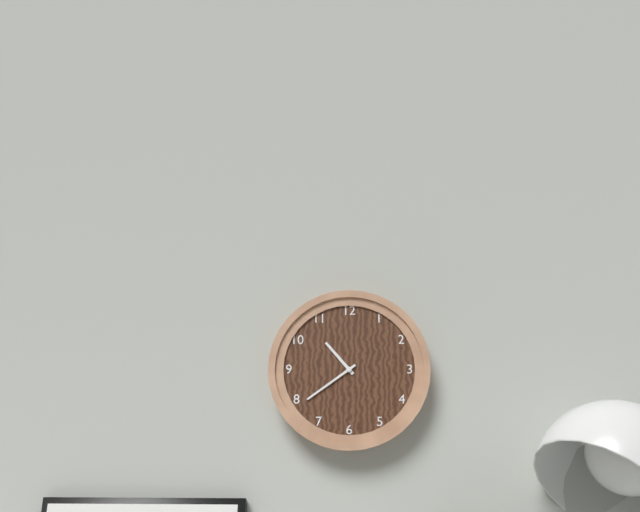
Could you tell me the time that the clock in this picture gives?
10:39
